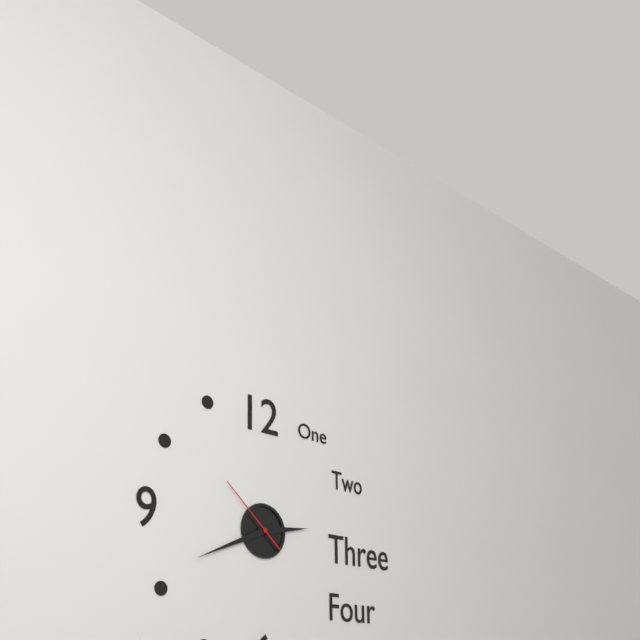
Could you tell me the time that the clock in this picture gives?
2:41:52
